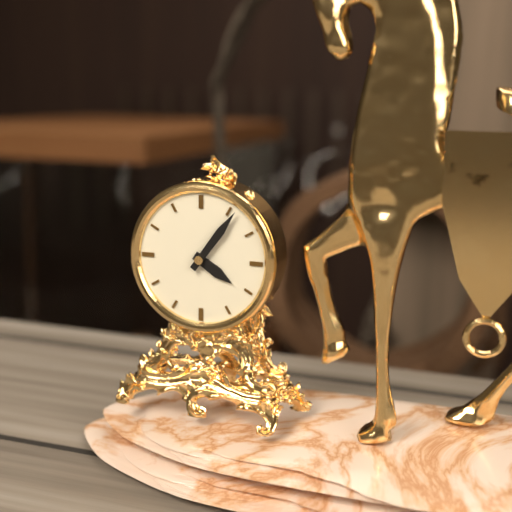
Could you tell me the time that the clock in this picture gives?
4:06
